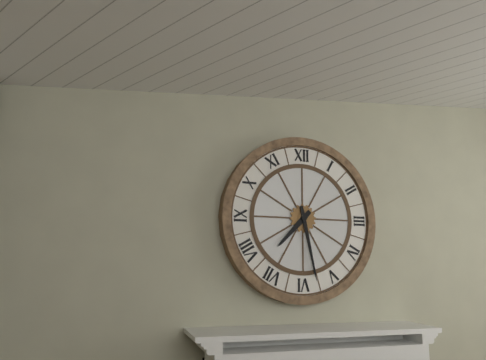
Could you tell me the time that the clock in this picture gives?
7:28
